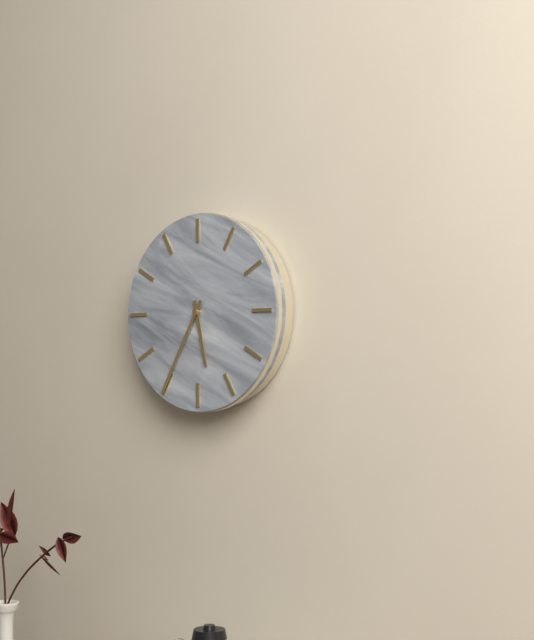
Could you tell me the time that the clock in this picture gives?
5:35
